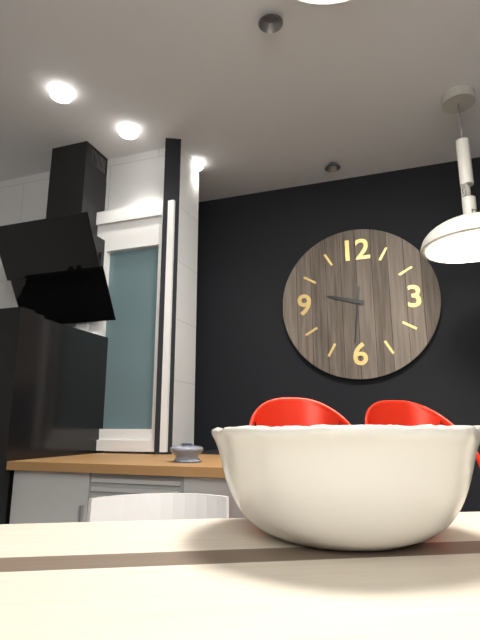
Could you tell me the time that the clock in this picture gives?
9:31
